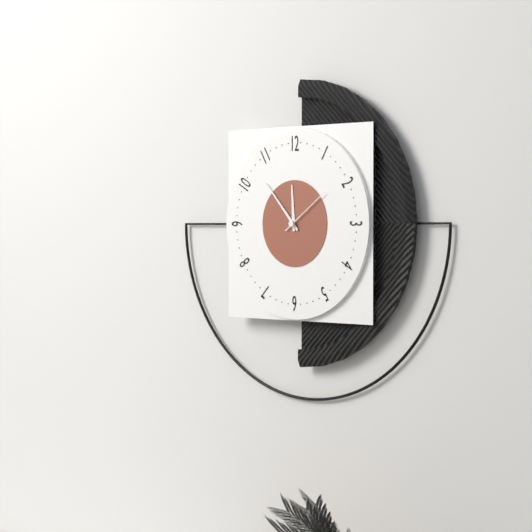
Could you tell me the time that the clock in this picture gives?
11:53:09
